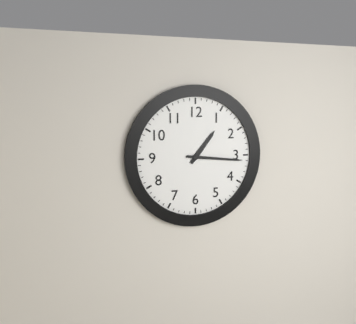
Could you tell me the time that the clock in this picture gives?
1:16
